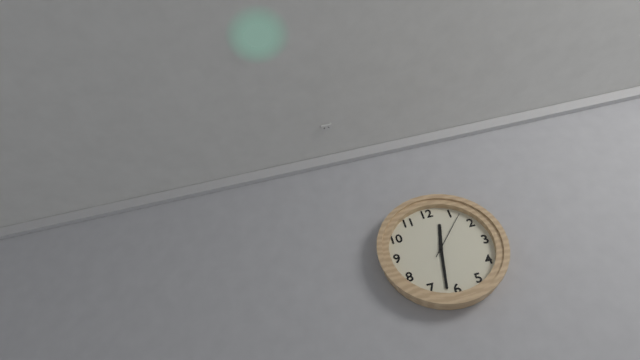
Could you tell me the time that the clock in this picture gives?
12:32
